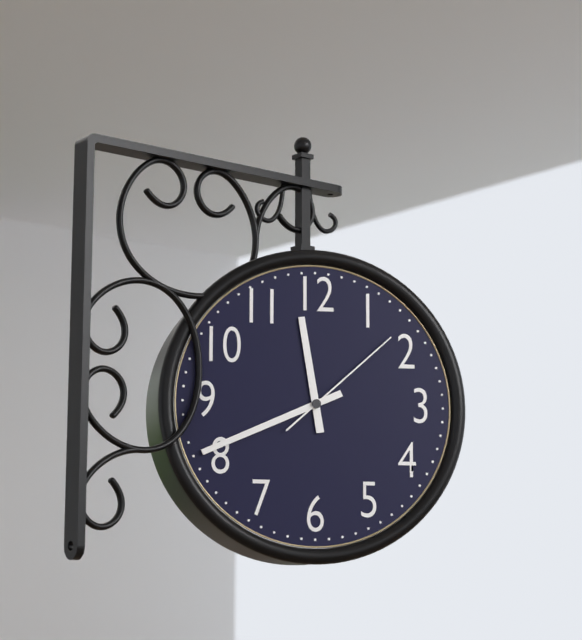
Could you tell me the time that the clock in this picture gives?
11:41:08
